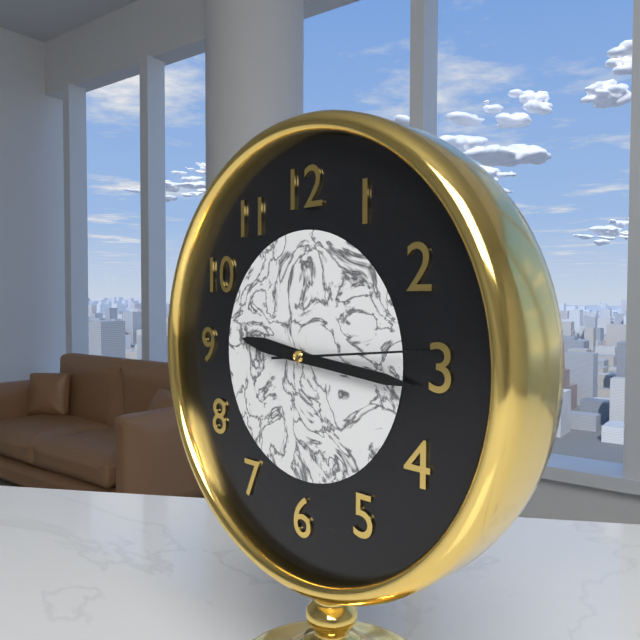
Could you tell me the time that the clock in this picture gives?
9:16:14
